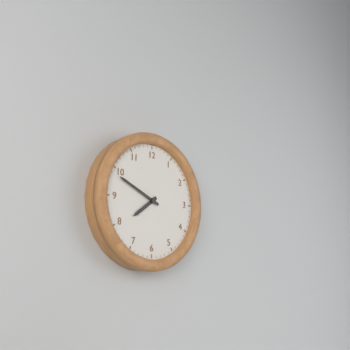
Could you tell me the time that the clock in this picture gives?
7:49
